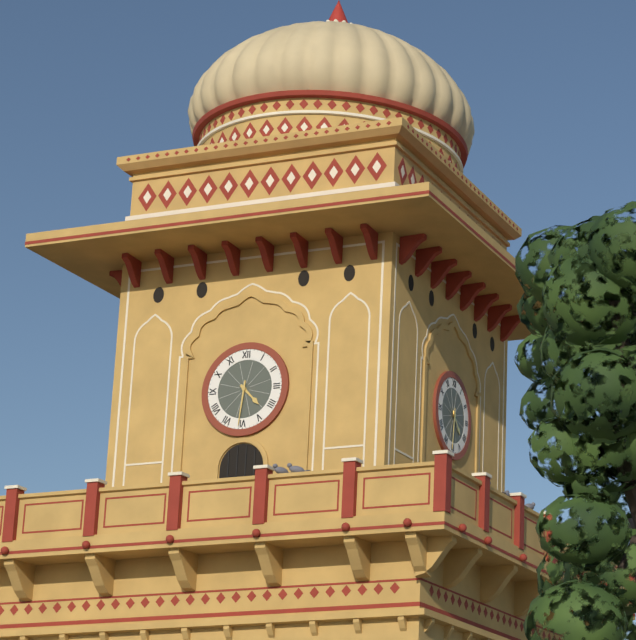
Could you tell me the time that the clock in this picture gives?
4:31
